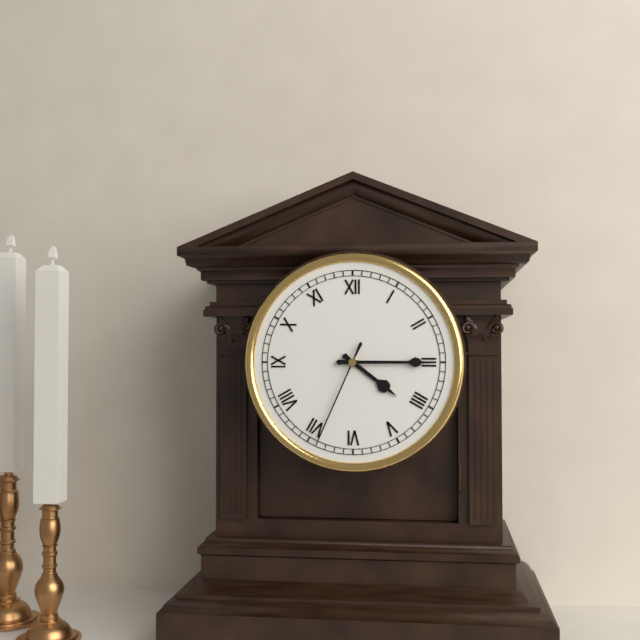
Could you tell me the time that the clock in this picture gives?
4:15:34
